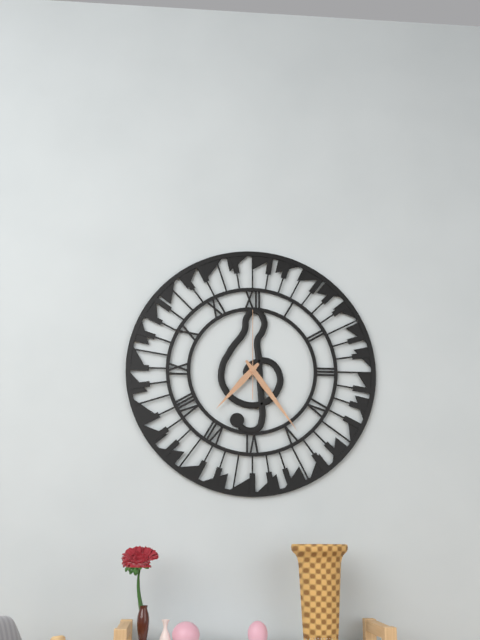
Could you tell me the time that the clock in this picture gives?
7:24:00
